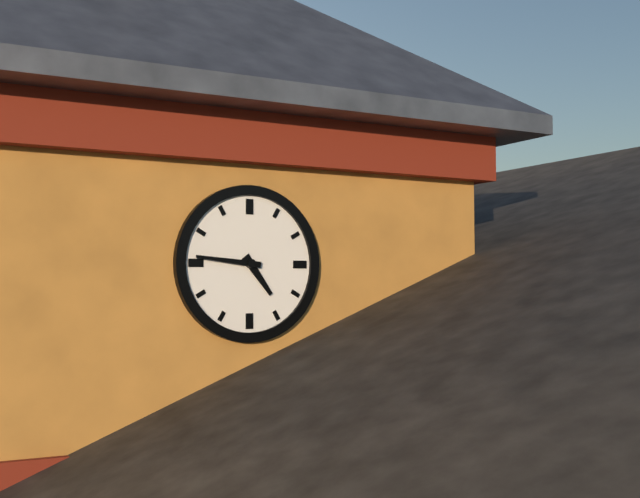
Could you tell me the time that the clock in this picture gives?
4:46
